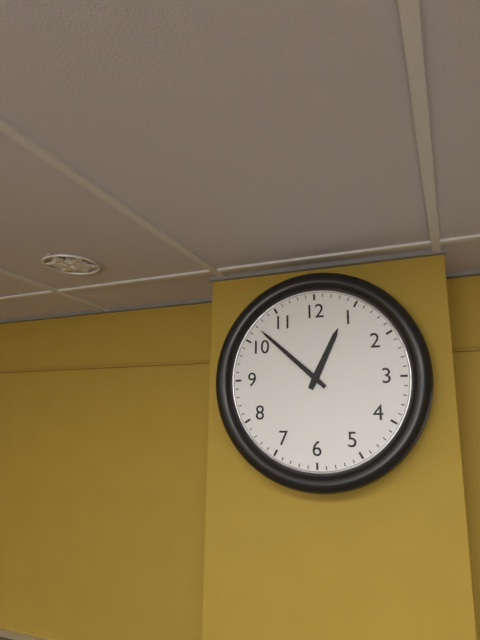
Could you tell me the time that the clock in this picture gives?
12:52
